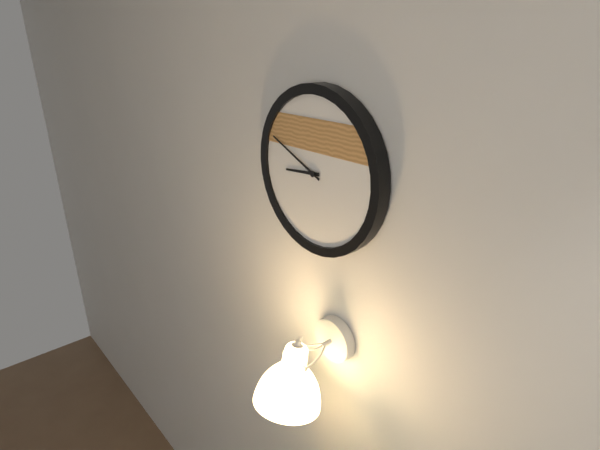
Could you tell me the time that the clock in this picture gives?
8:49
